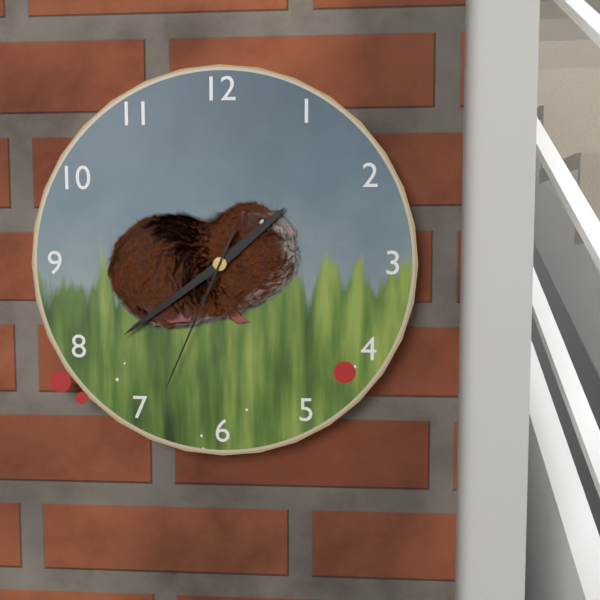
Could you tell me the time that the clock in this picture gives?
1:39:34
